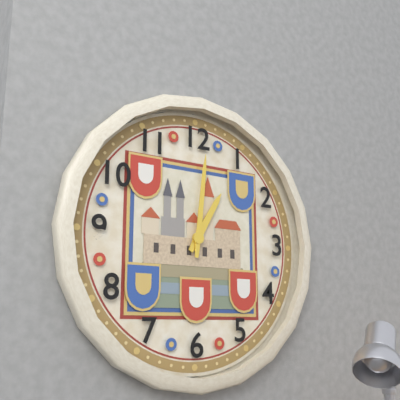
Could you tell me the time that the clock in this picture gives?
1:01
